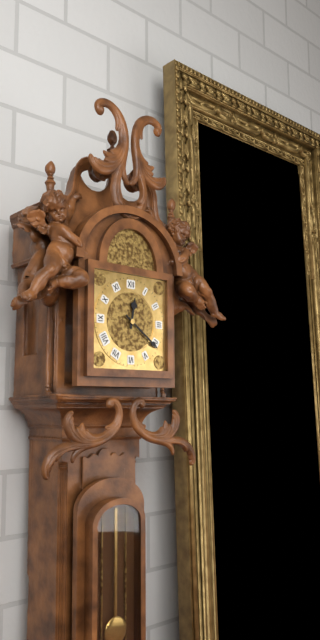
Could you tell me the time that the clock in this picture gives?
12:21
